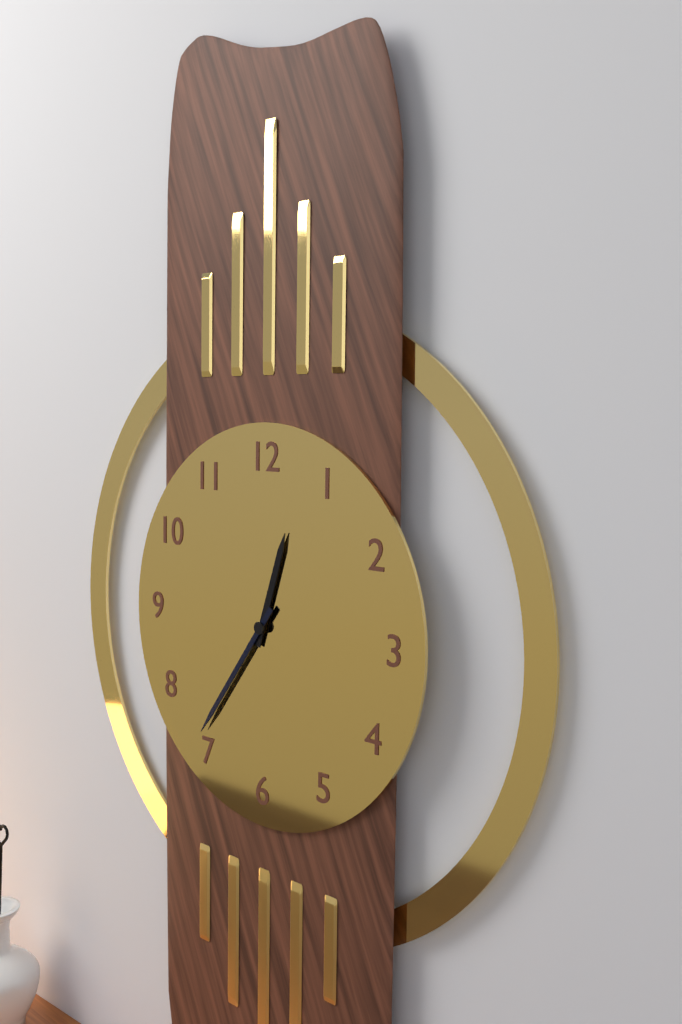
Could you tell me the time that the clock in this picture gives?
12:36
